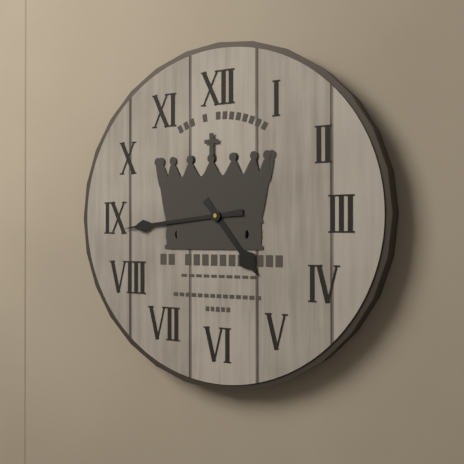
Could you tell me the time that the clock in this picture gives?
4:44
